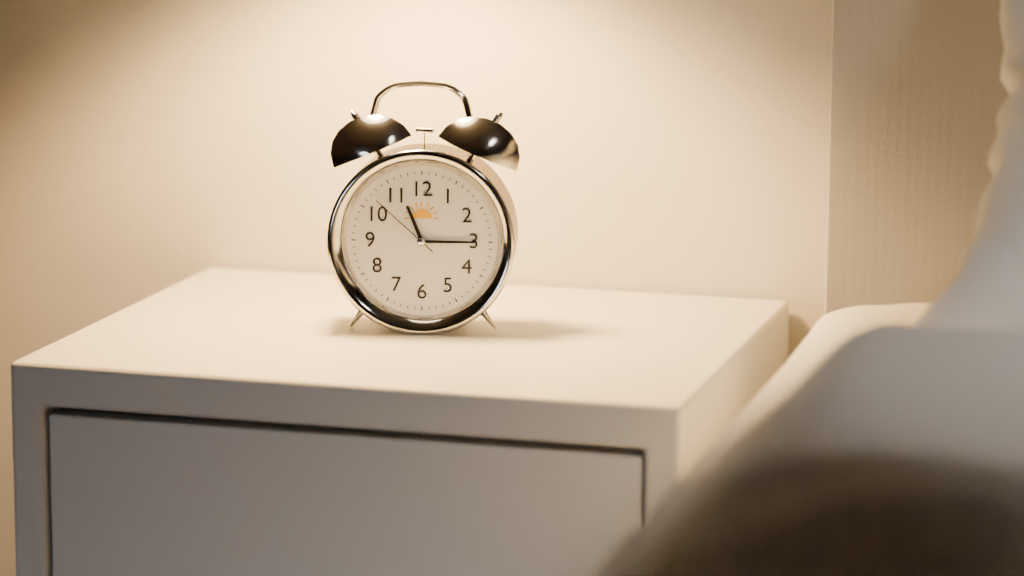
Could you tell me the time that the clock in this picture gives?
11:15:52
